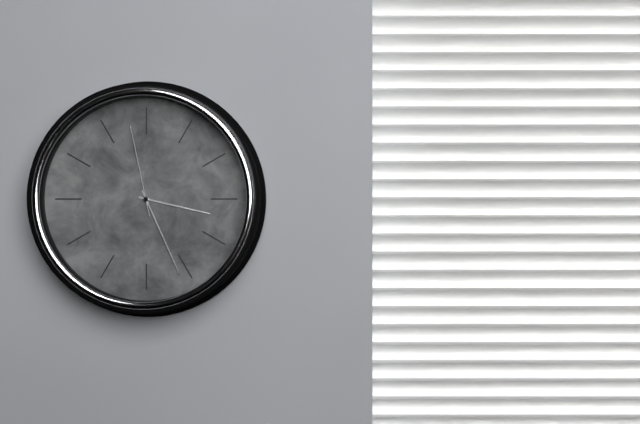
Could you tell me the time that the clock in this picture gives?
3:26:58
